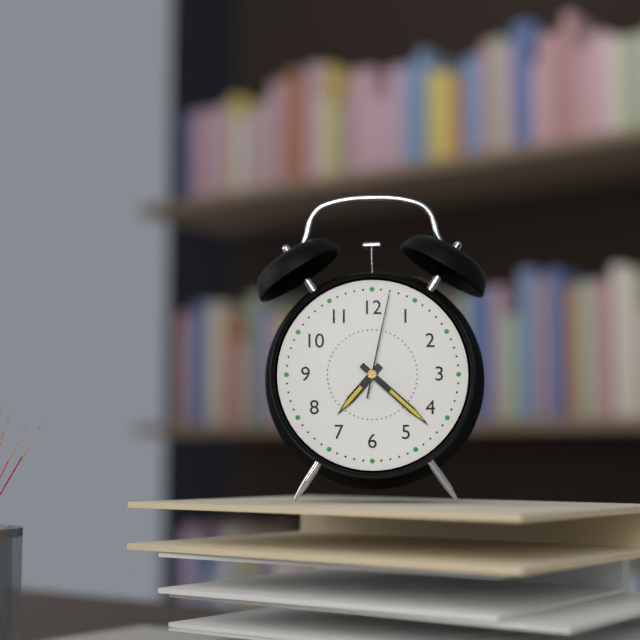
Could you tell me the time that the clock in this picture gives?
7:22:02
